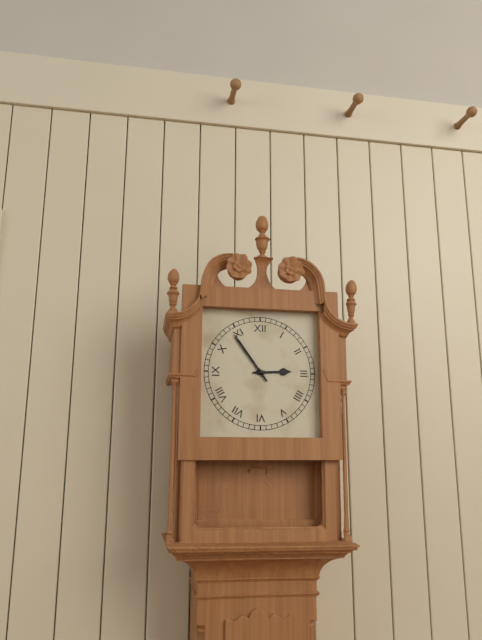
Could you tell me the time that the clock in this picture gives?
2:54
